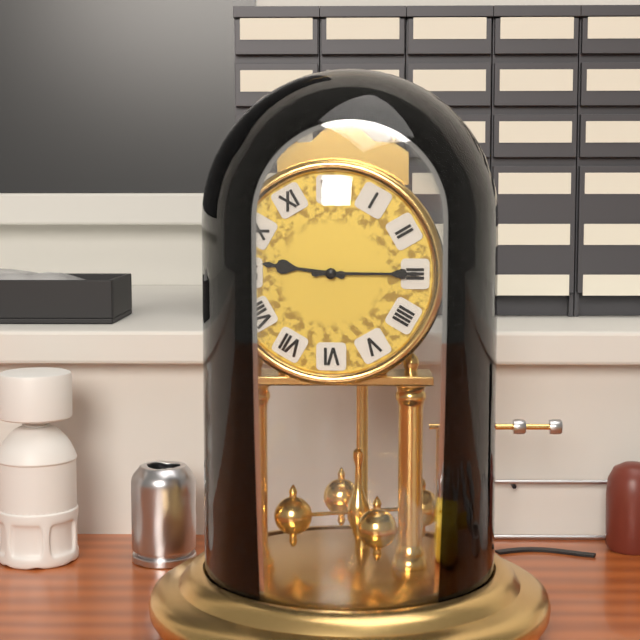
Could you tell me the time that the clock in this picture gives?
9:15
